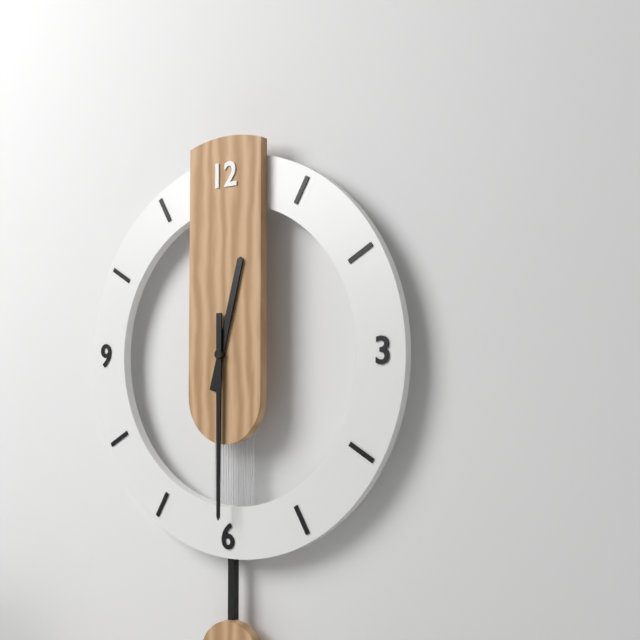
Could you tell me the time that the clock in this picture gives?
12:30
